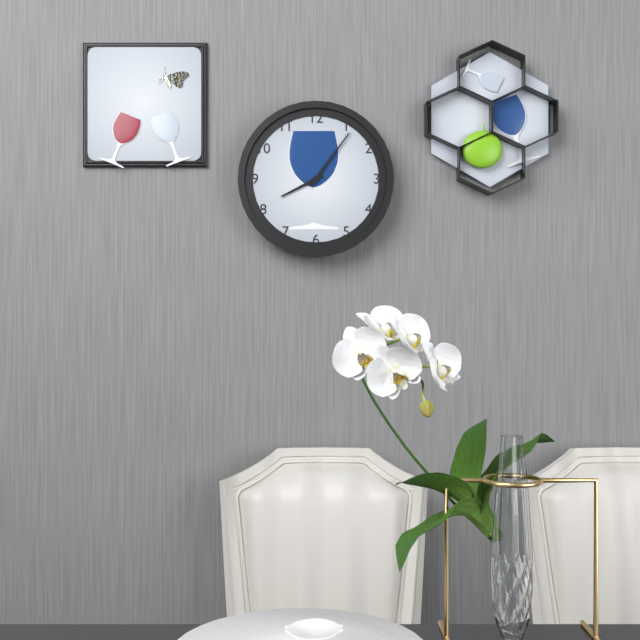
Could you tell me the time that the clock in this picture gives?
8:06
